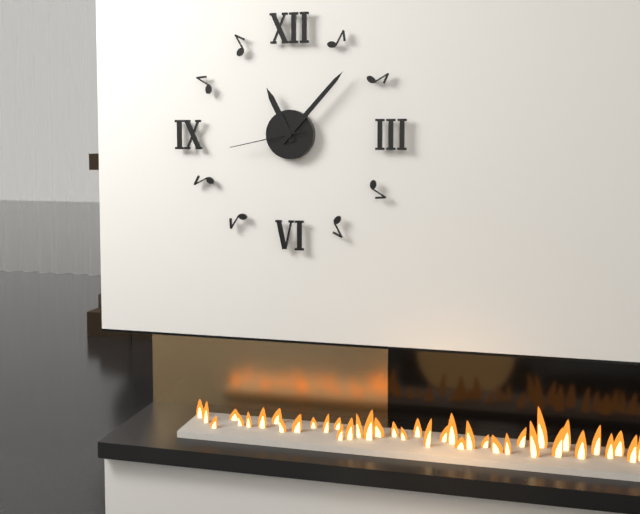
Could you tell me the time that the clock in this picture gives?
11:07:43
